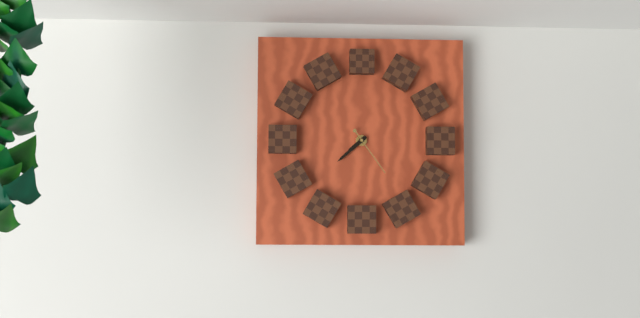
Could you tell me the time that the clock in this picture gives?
7:38:24
